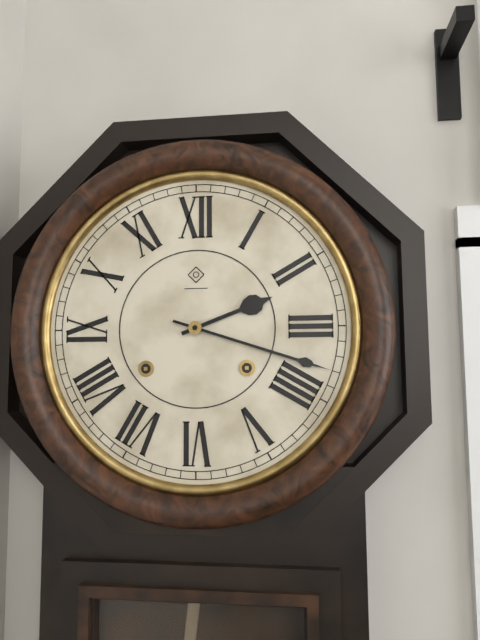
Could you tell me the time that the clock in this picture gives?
2:18
